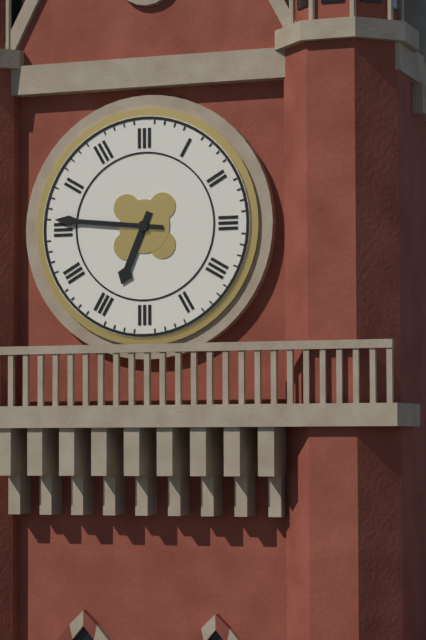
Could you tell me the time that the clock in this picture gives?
6:46
